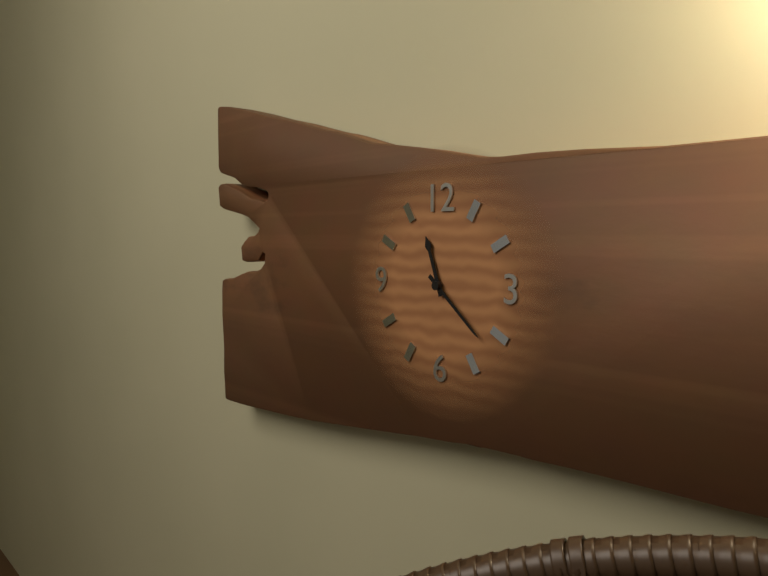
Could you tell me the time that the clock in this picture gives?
11:22
